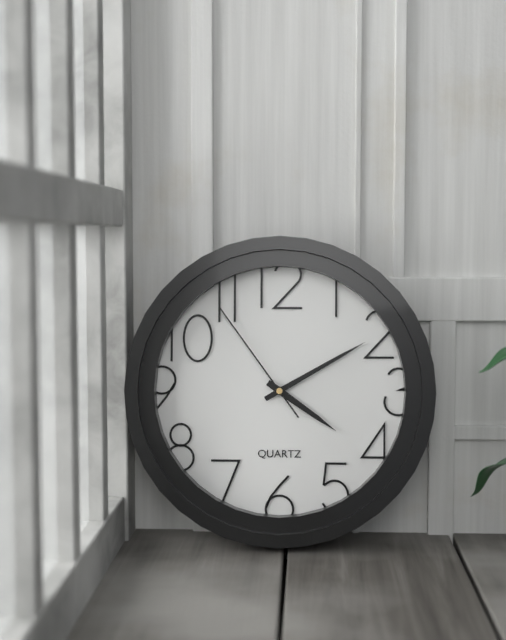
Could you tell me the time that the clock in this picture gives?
4:10:54
